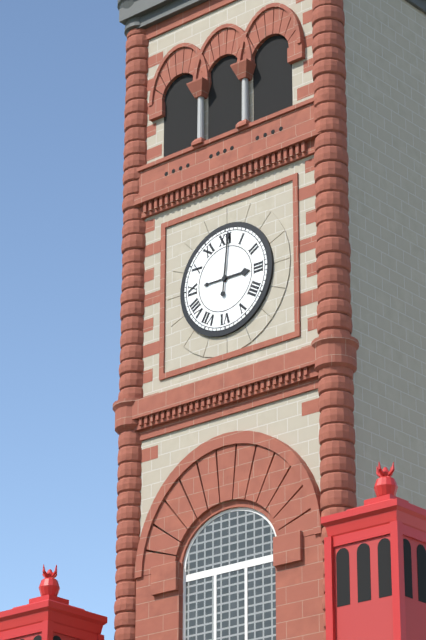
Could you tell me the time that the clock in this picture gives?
3:01
